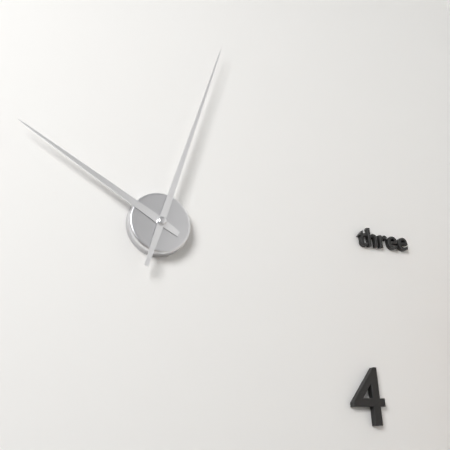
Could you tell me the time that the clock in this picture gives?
10:03
